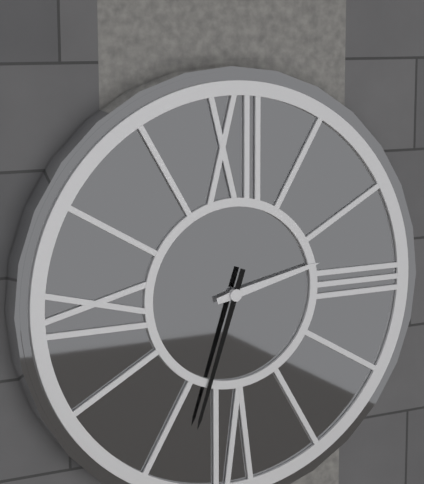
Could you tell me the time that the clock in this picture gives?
2:33
